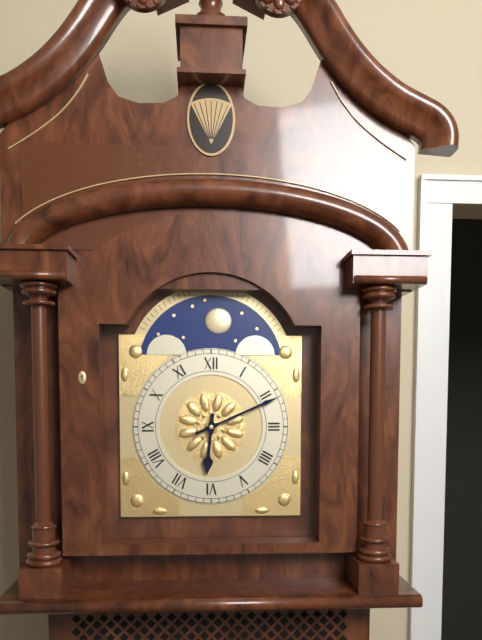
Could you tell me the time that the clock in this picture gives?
6:11
